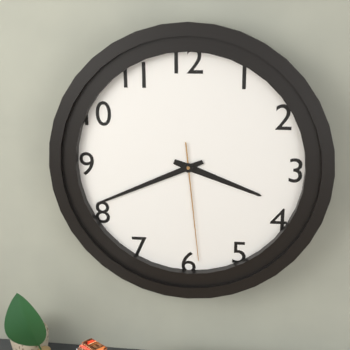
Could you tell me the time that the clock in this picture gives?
3:41:29
